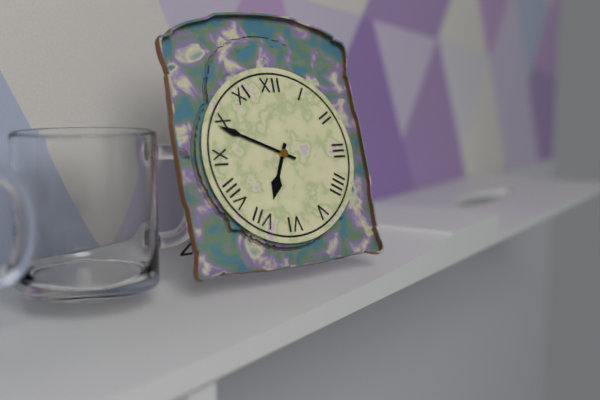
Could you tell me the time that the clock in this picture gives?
6:49
